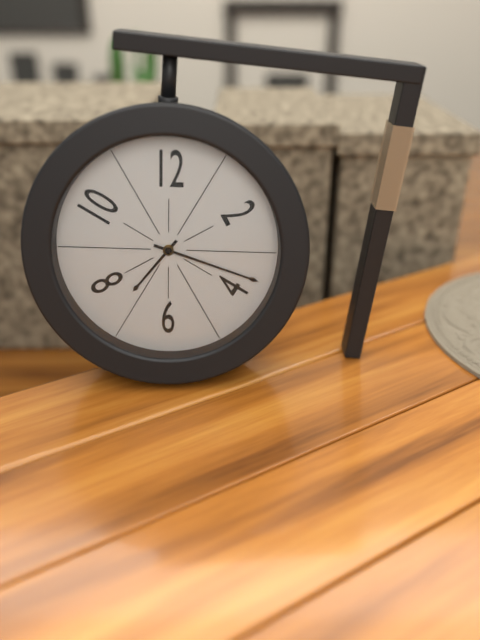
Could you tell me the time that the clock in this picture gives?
7:18
